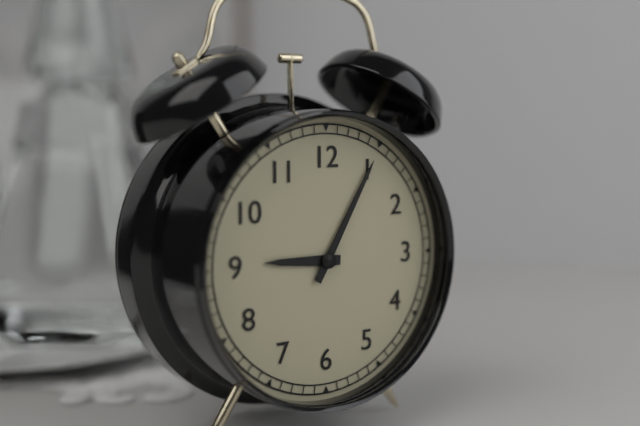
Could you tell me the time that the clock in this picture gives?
9:05
